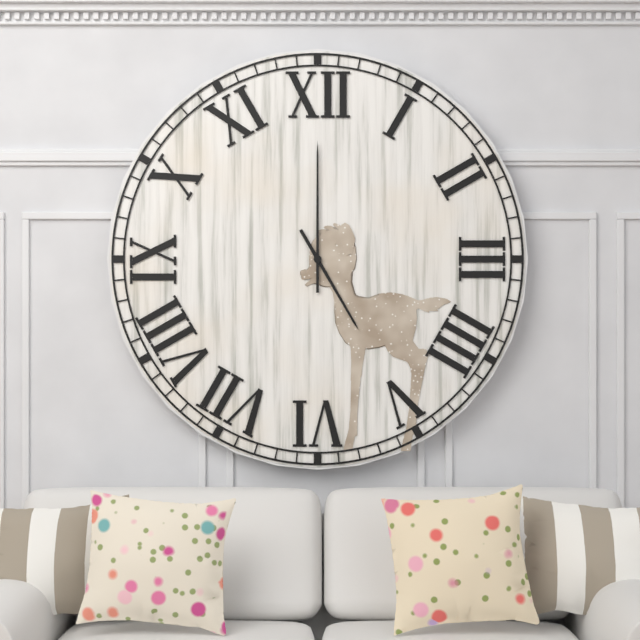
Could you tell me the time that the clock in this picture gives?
5:00
